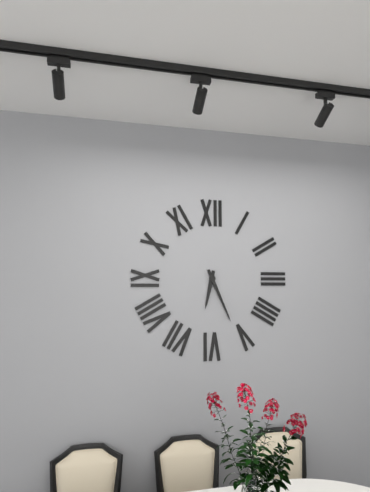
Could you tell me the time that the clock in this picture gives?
6:26
